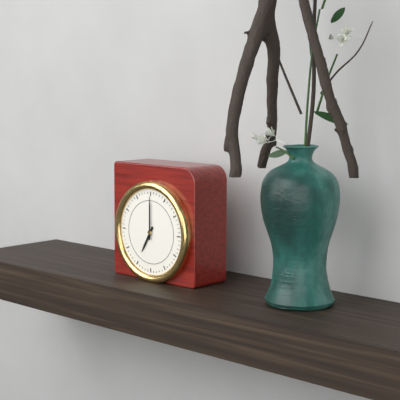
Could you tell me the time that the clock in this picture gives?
7:00
